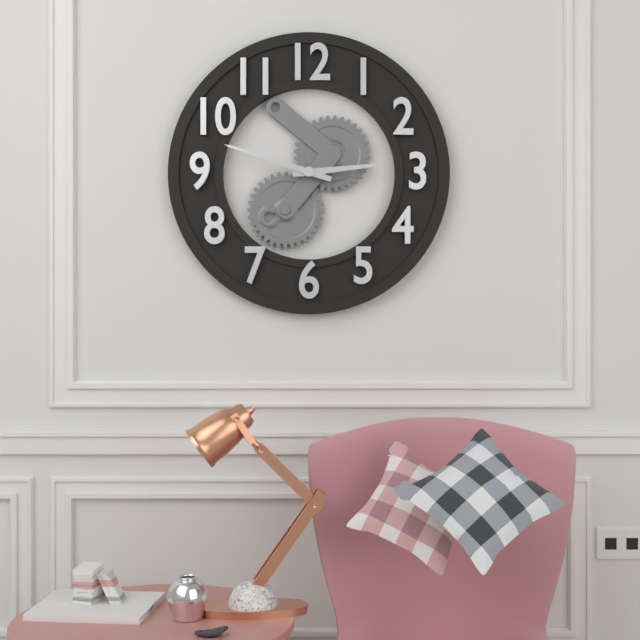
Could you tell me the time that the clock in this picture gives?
2:48
